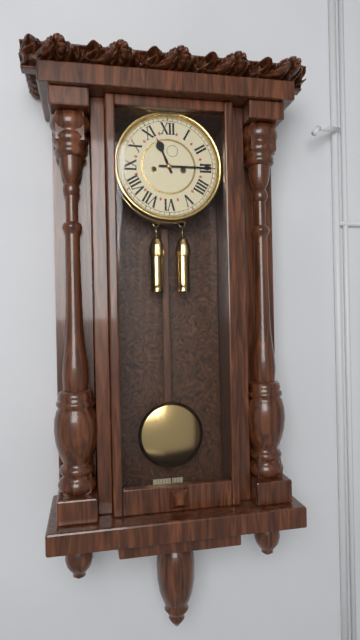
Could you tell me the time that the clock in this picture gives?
11:15
